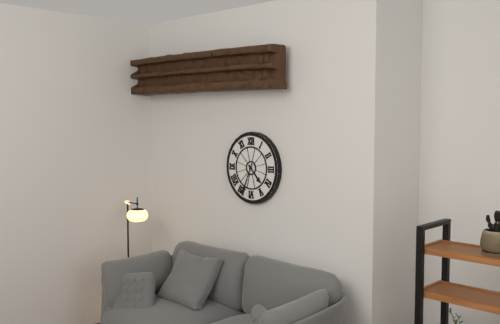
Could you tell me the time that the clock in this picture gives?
4:34
